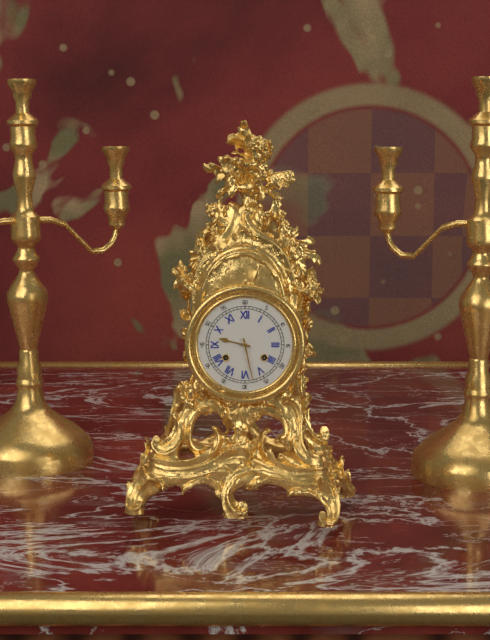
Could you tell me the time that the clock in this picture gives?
9:28
